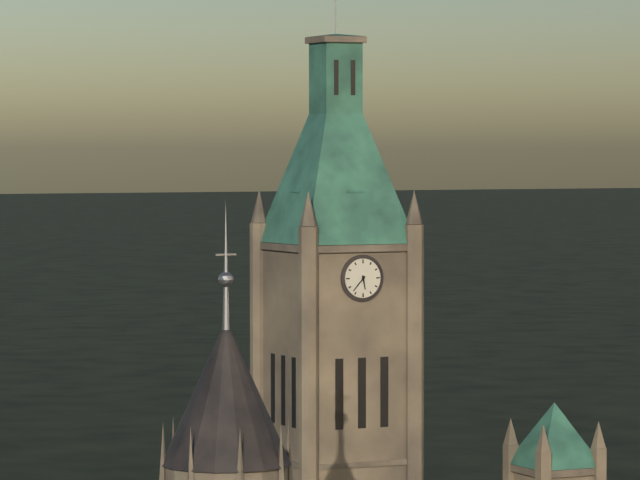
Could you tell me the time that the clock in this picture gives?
5:37
